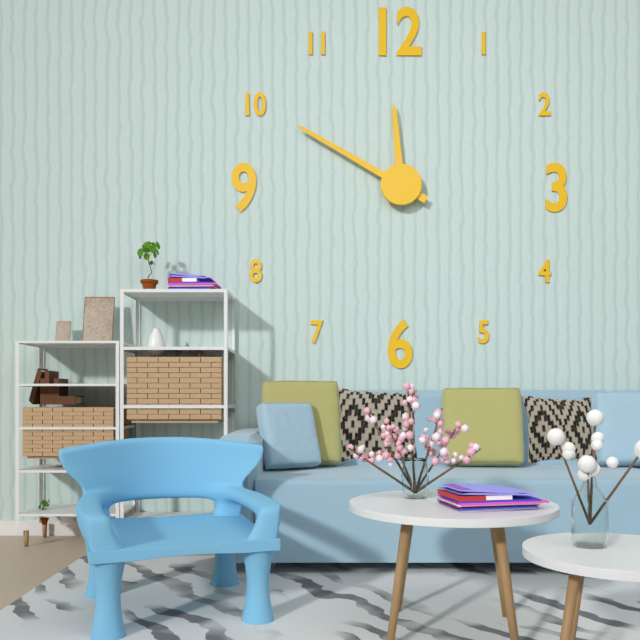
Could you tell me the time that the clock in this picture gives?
11:50
